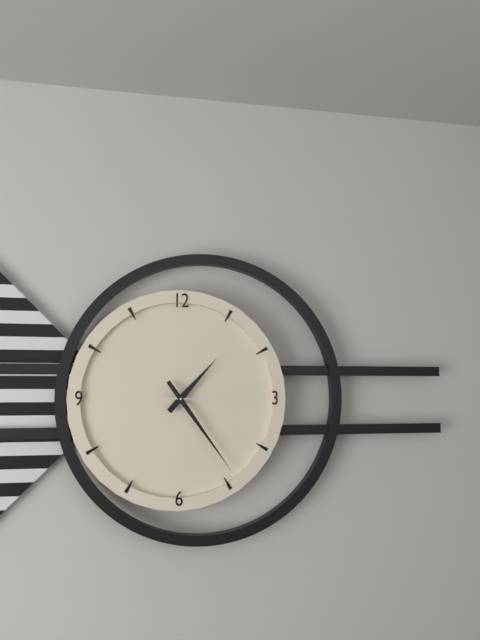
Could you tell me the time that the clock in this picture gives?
1:24:15
